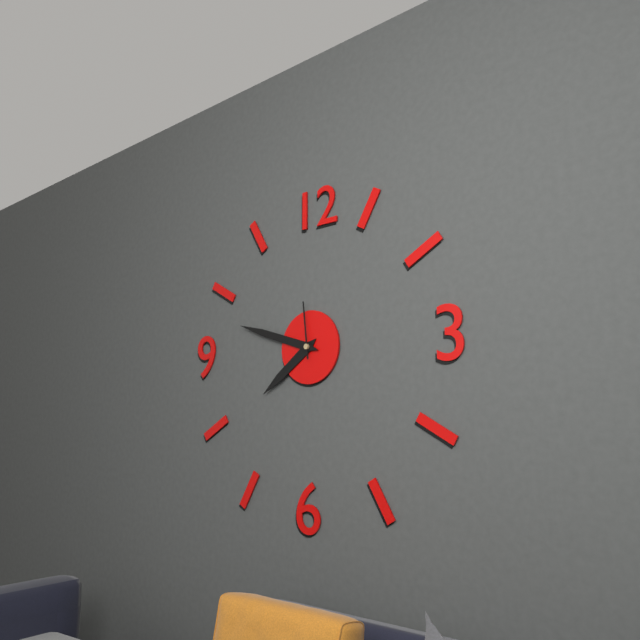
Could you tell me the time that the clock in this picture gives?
7:48:59
